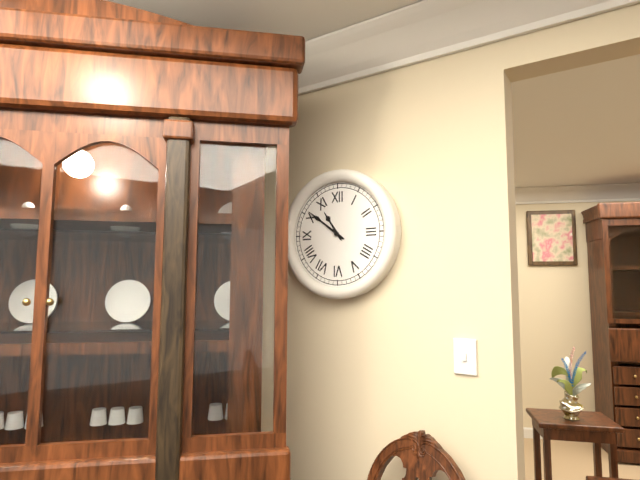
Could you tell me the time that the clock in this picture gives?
10:51
